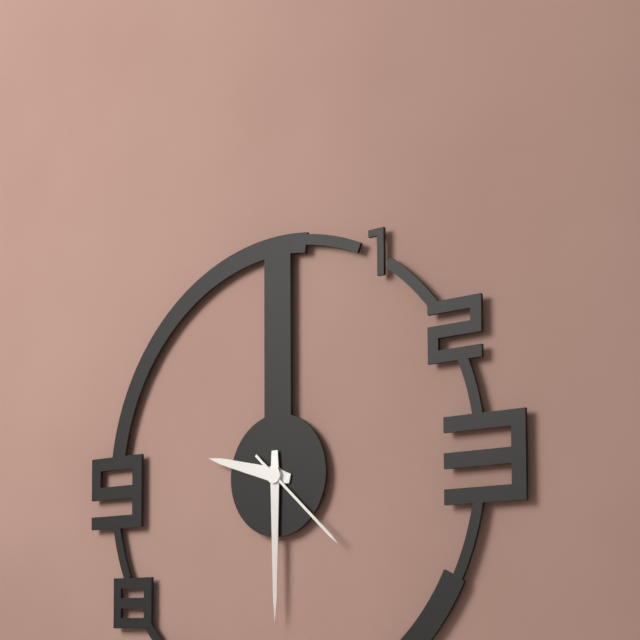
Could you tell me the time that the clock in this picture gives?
9:30:22
